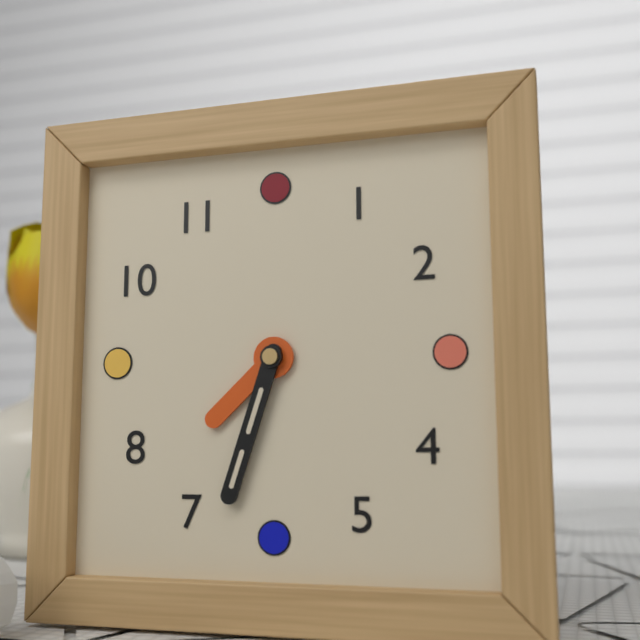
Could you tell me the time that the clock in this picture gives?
7:33
